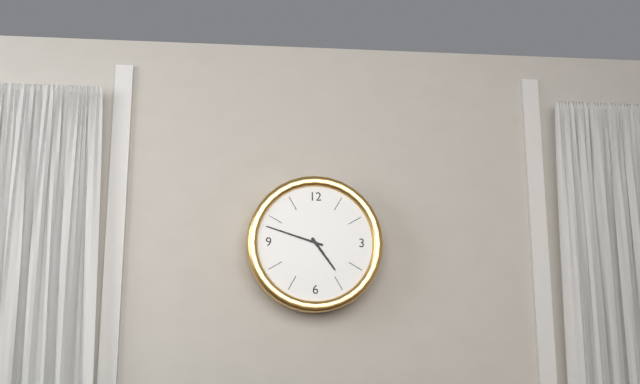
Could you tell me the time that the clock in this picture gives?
4:48
